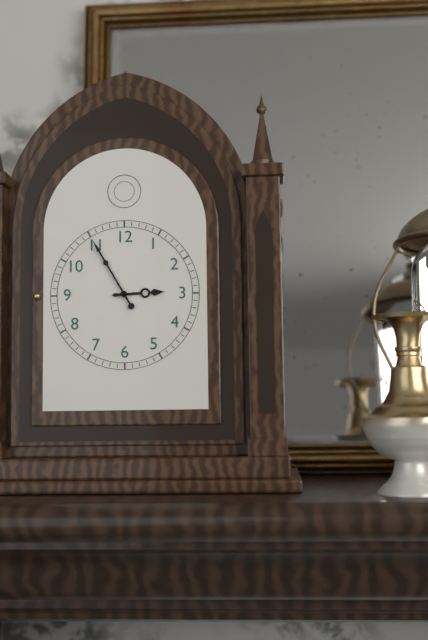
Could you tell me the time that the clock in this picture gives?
2:55
